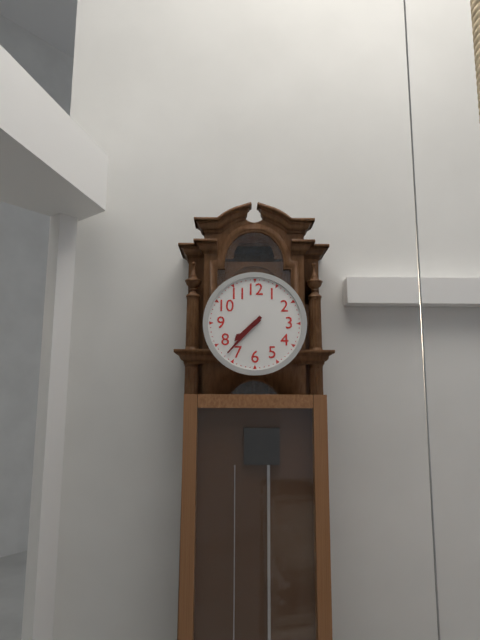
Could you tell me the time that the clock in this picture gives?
7:37
